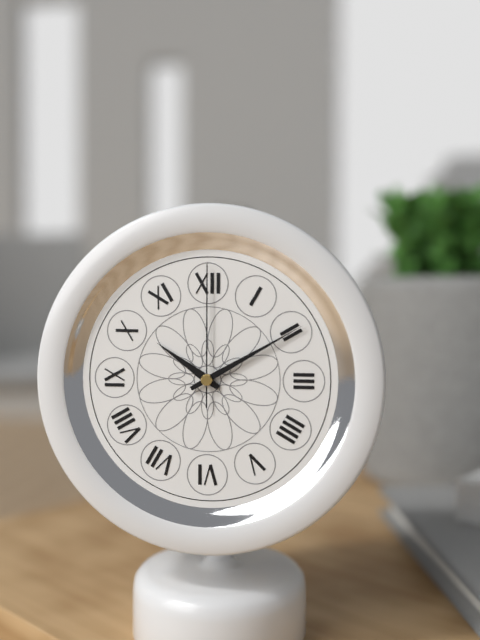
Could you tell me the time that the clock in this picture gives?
10:10:00
